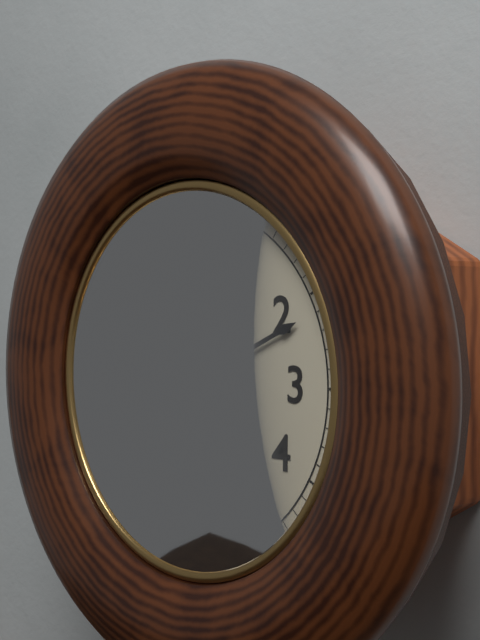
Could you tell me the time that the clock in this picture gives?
4:11
